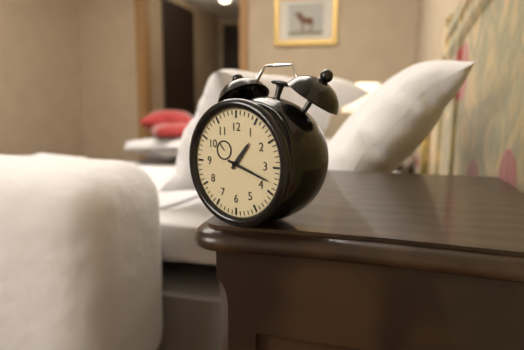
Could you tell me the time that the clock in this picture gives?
1:18
